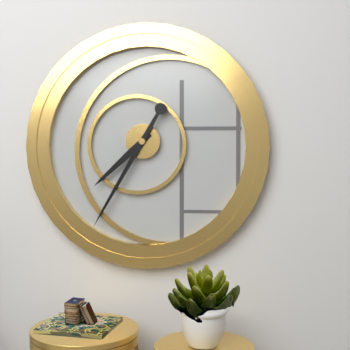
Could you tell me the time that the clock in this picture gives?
7:35
